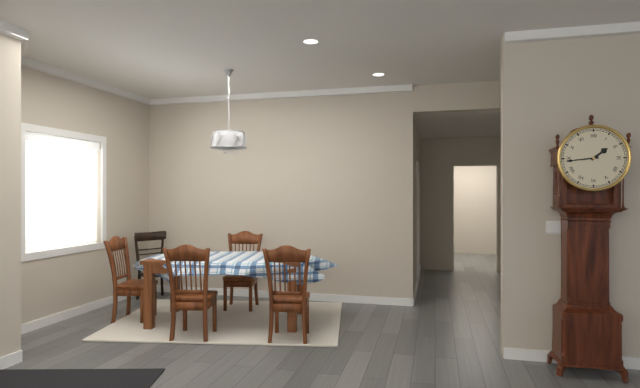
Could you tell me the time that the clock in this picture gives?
1:44
